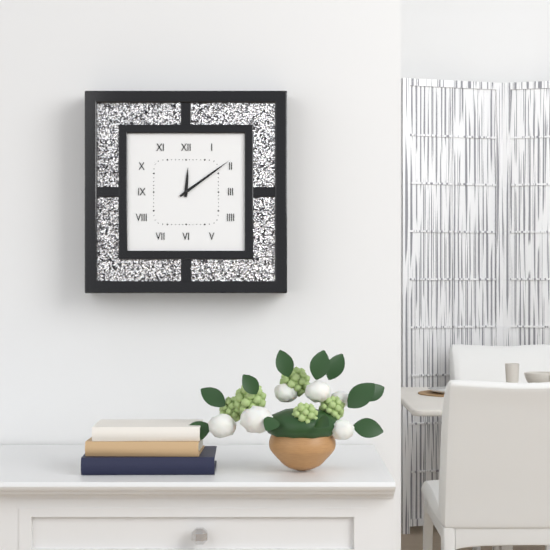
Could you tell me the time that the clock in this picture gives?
12:09
